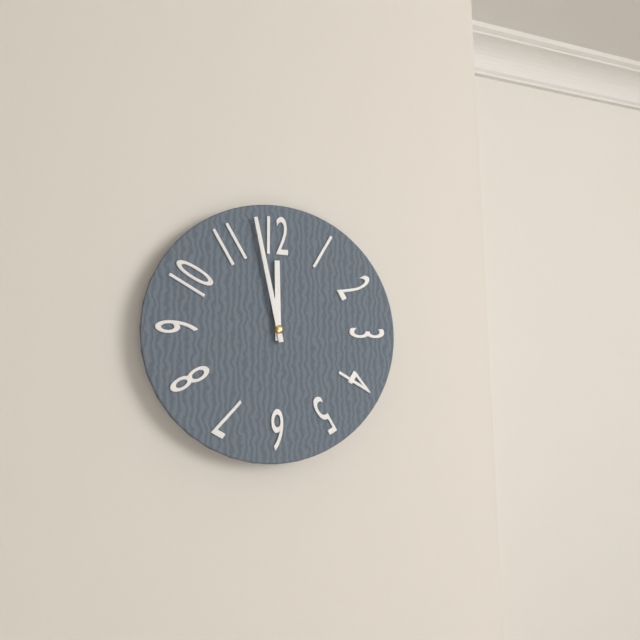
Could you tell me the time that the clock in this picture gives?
11:58
